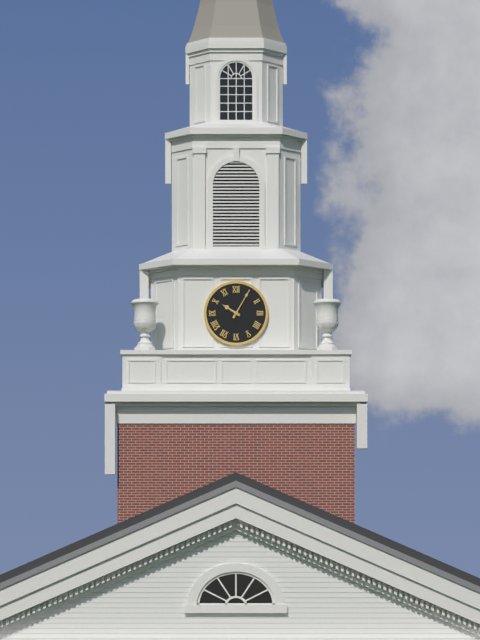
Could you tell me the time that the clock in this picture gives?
10:05
